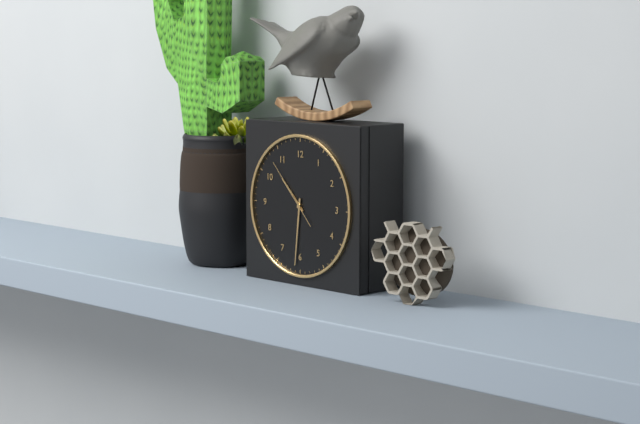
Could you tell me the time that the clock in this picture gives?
10:31:53
